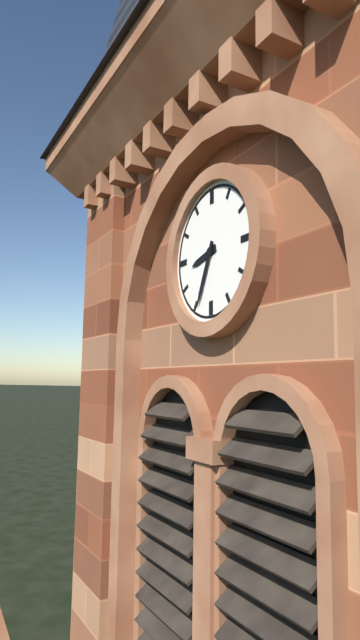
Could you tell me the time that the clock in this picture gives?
8:34
